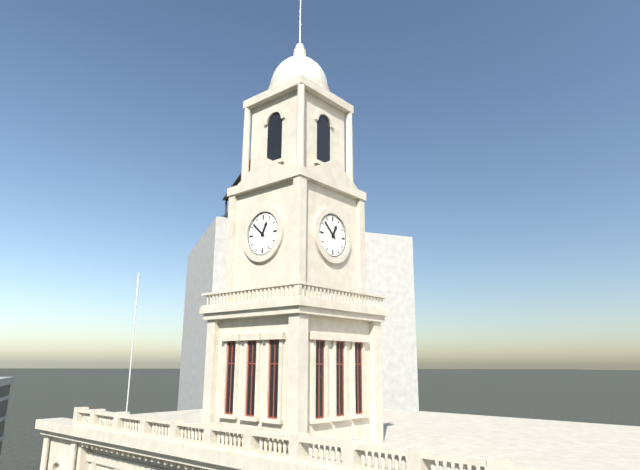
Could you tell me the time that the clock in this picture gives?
12:52
